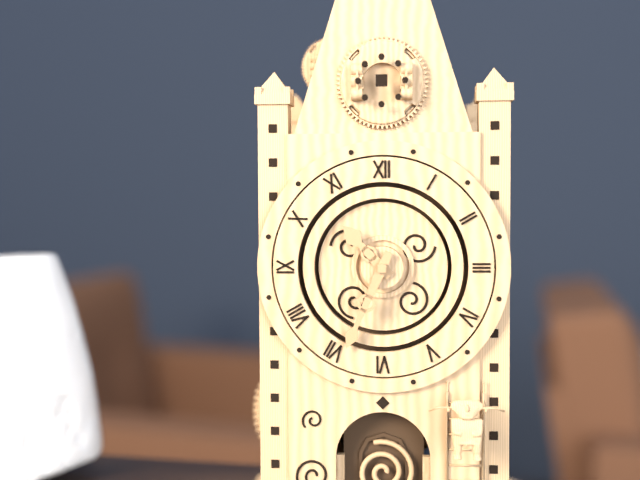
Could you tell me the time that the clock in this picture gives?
10:34
